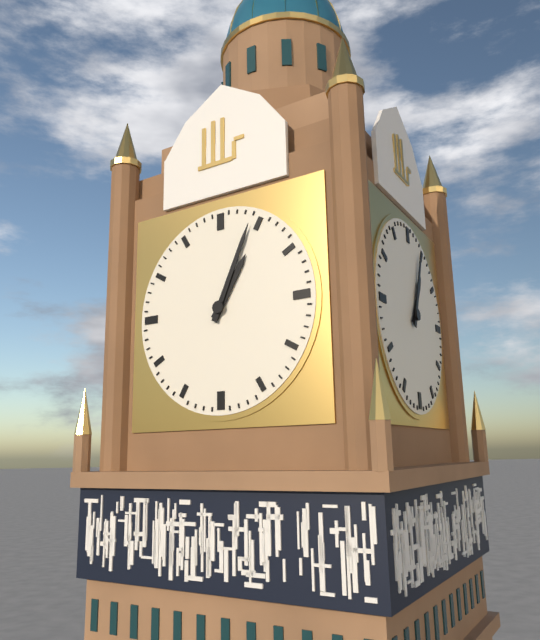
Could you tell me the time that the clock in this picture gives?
1:04
